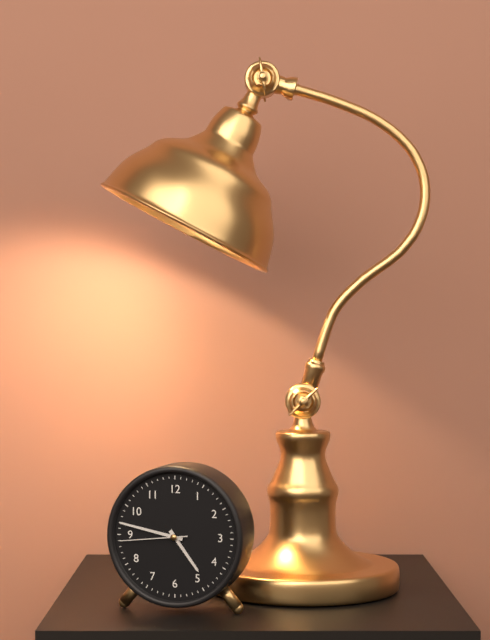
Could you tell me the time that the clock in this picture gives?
4:47:44
